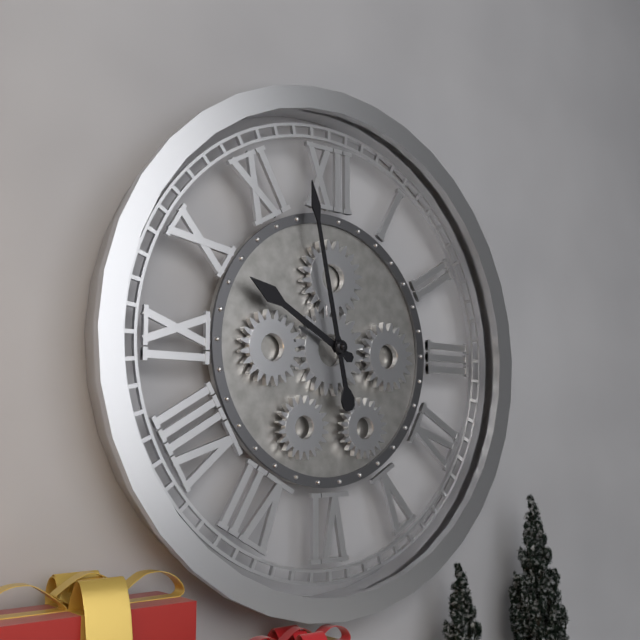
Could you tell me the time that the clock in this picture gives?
9:58
